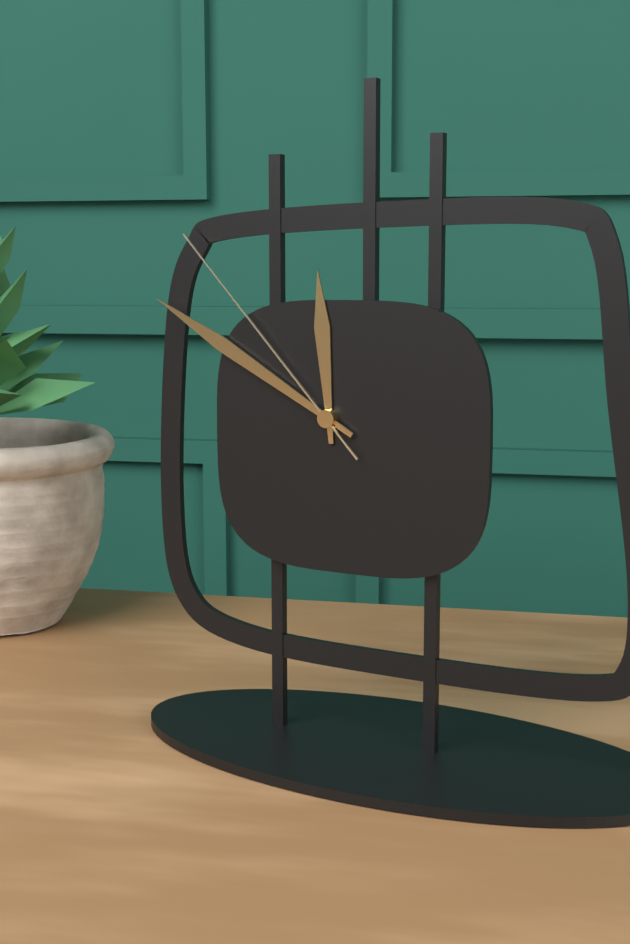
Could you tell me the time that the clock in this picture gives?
11:50:53
